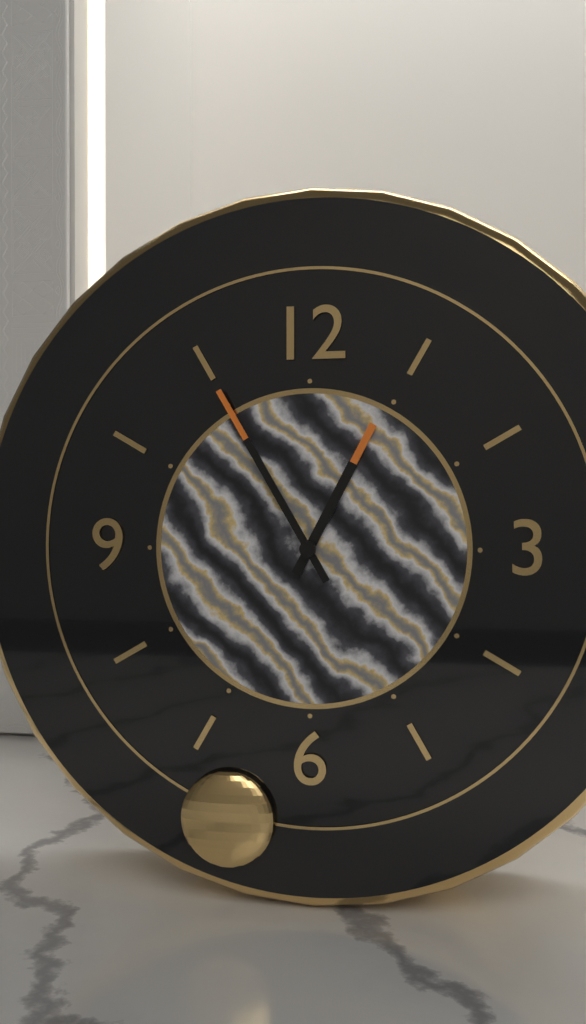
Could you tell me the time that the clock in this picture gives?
12:55
